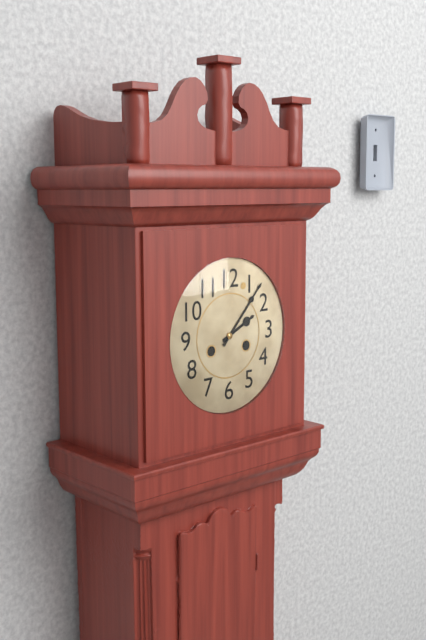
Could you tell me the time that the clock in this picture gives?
2:07
